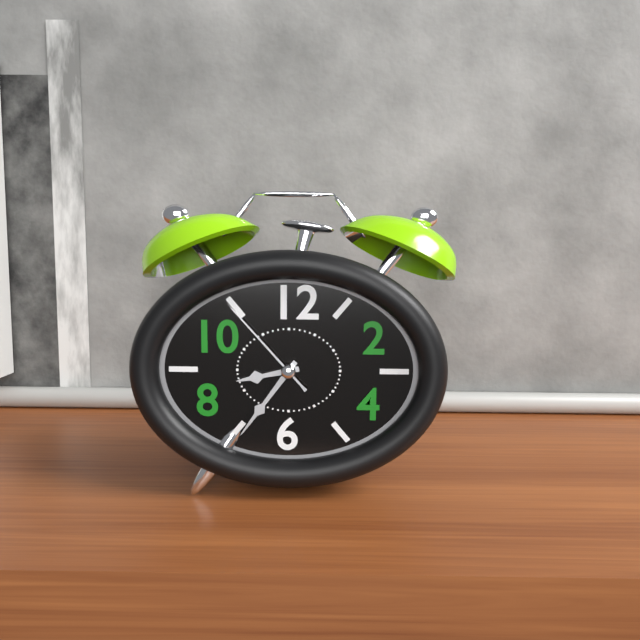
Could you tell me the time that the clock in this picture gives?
8:36:53
